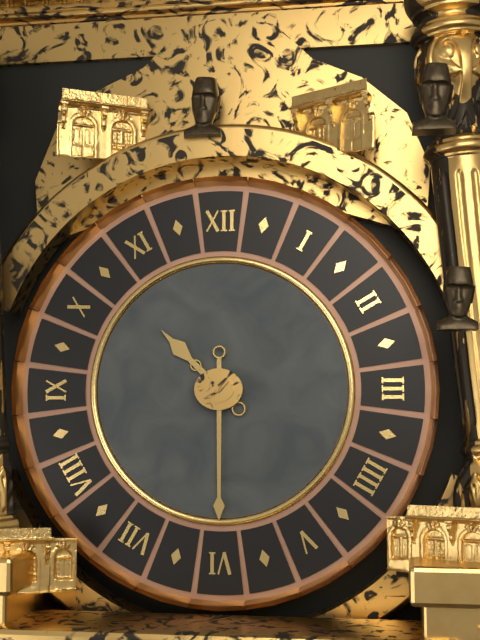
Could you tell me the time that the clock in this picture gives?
10:30
